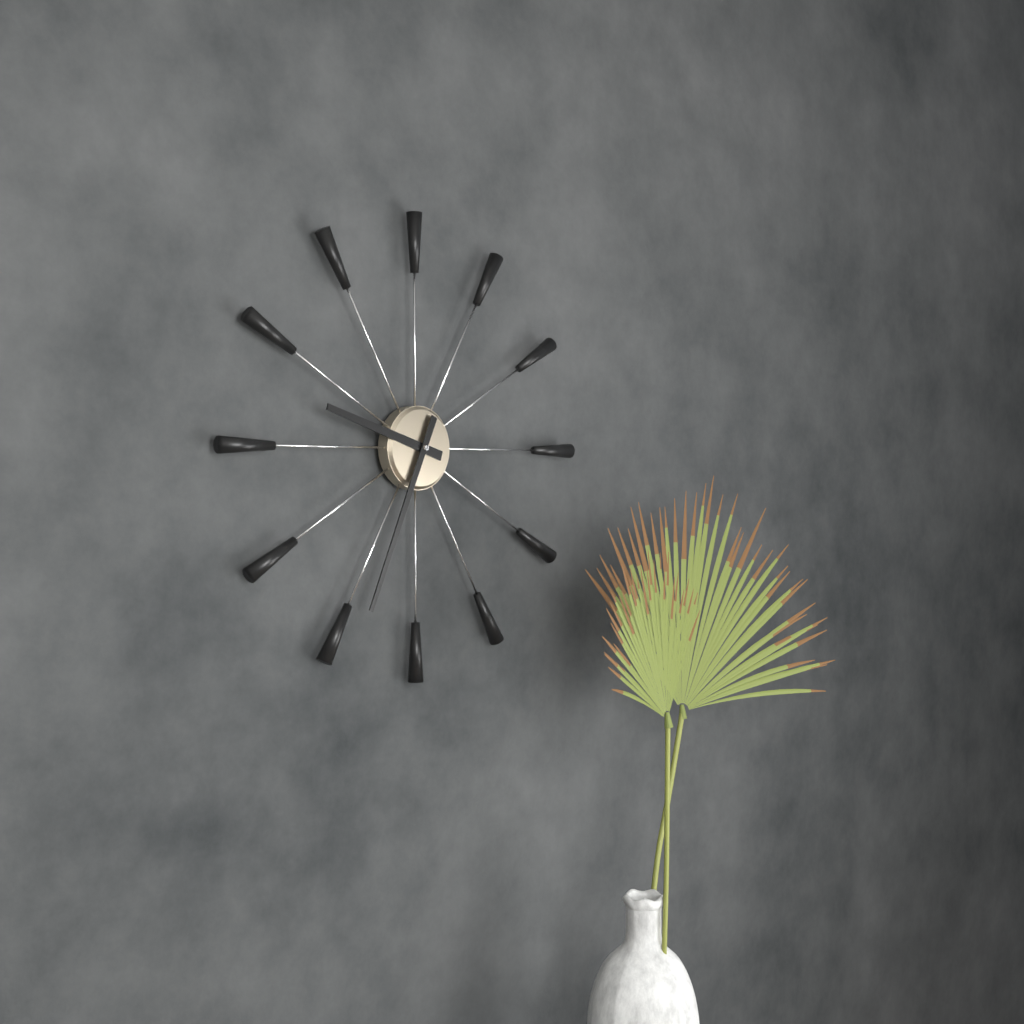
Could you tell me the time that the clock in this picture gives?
9:34
